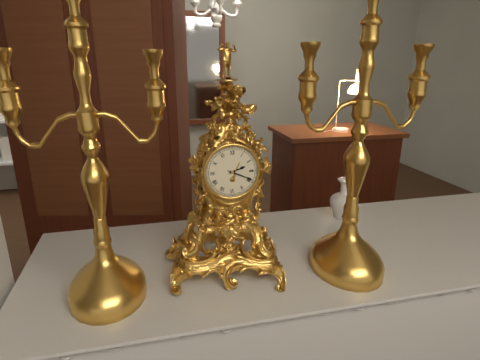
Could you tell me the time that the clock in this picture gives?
2:19
